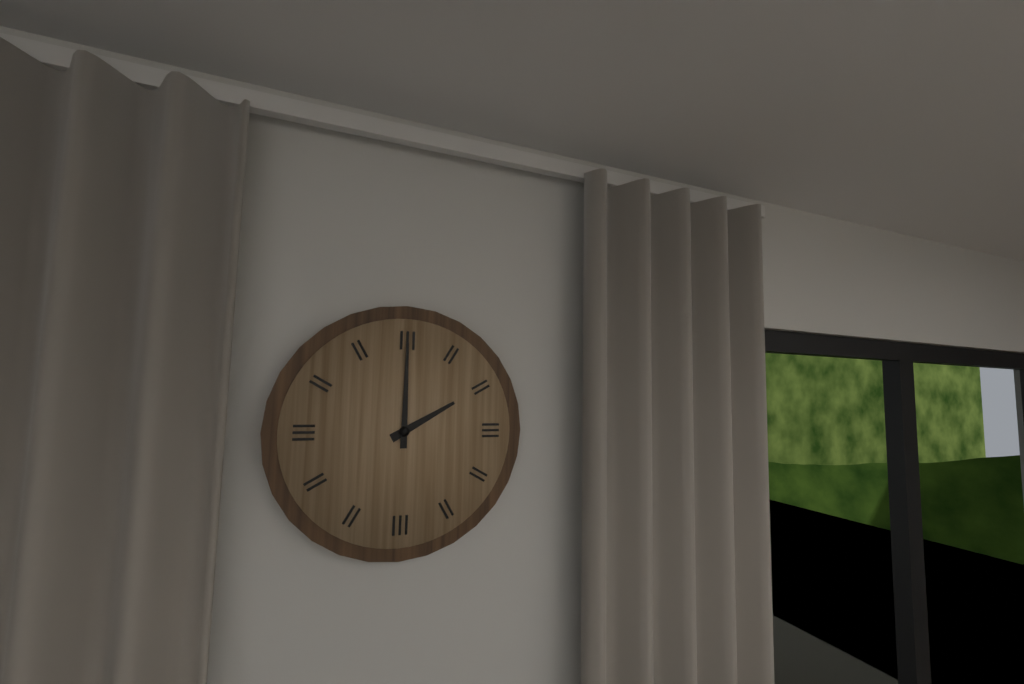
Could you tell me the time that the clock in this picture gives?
2:00
